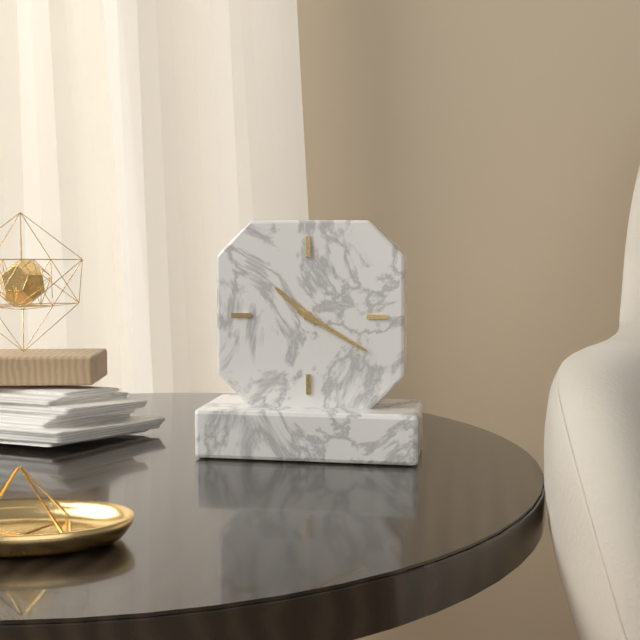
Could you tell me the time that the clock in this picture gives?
10:20
